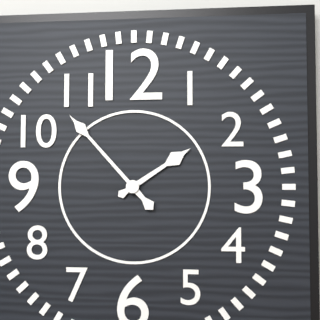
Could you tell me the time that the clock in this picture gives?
1:53
